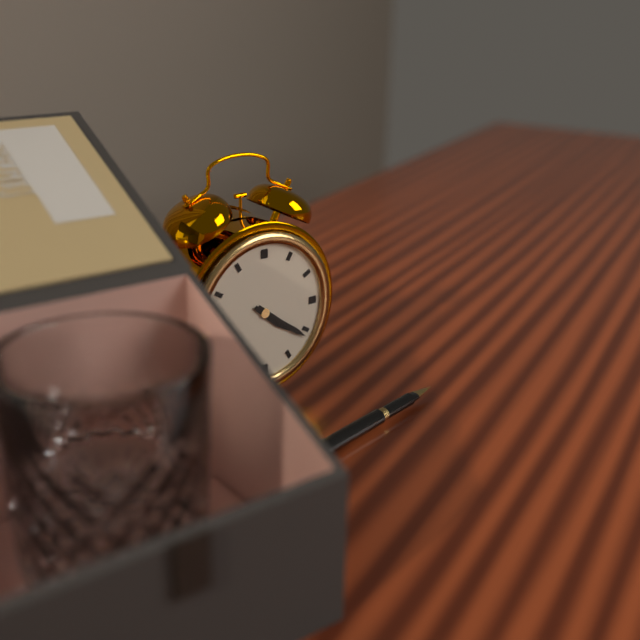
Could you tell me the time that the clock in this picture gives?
4:21
